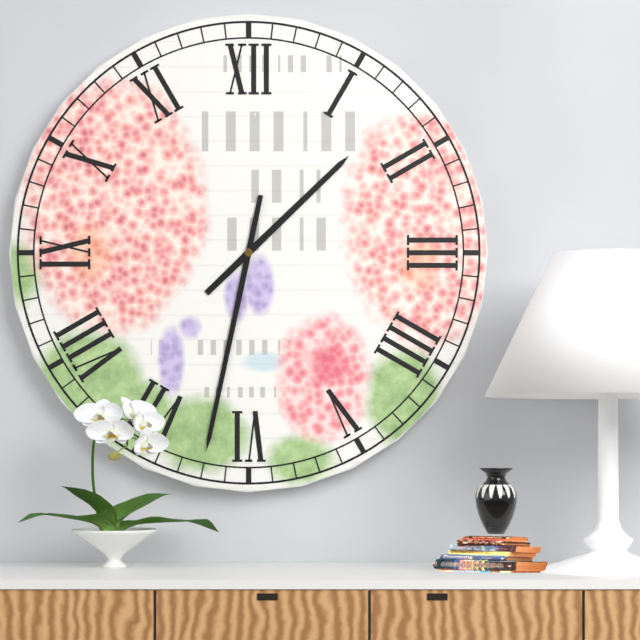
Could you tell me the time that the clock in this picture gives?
1:32
